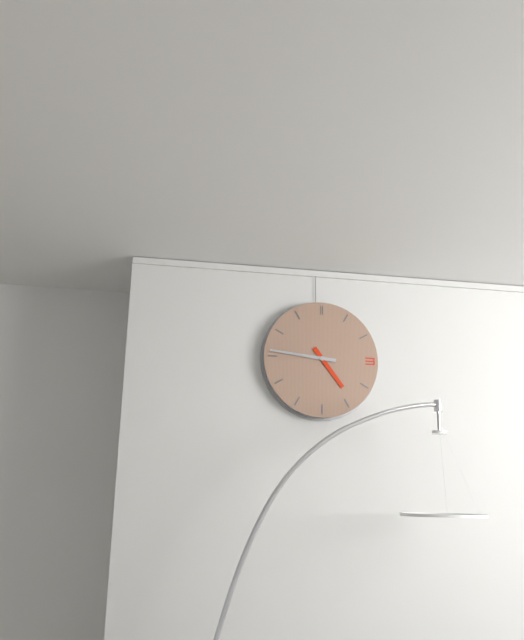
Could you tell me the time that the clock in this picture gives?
4:46
